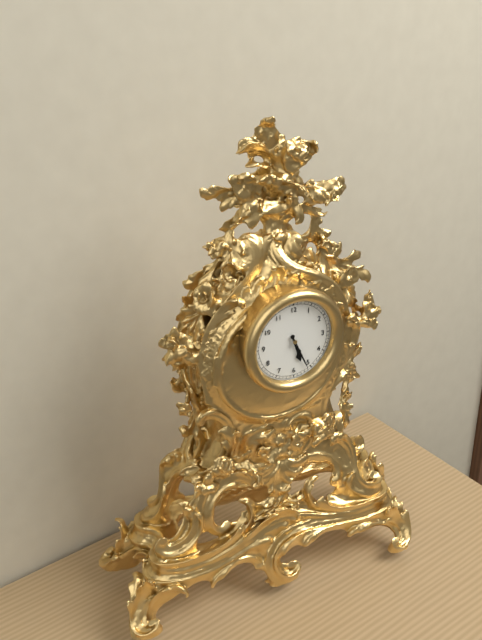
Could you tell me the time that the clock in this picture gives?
5:26
